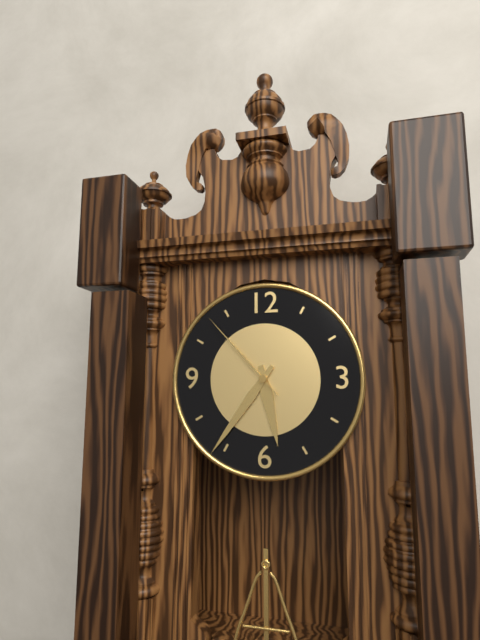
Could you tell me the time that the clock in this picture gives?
5:36:53
